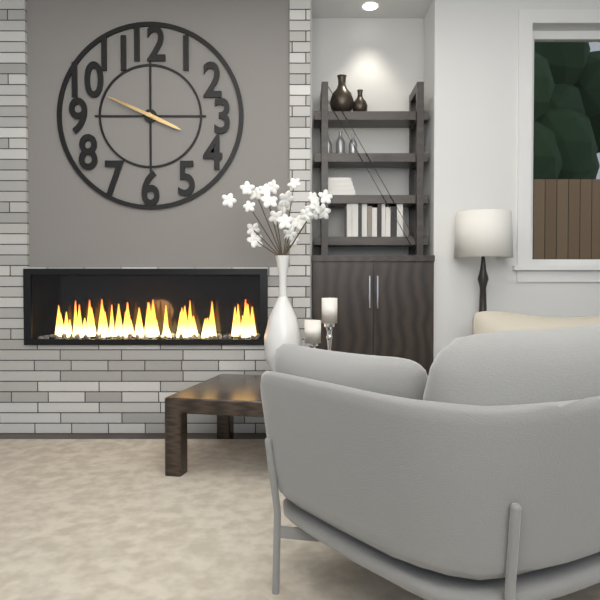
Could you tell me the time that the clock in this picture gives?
3:49
